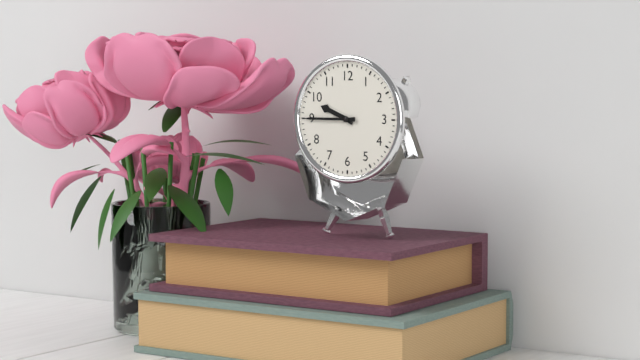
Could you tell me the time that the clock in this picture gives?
9:45
